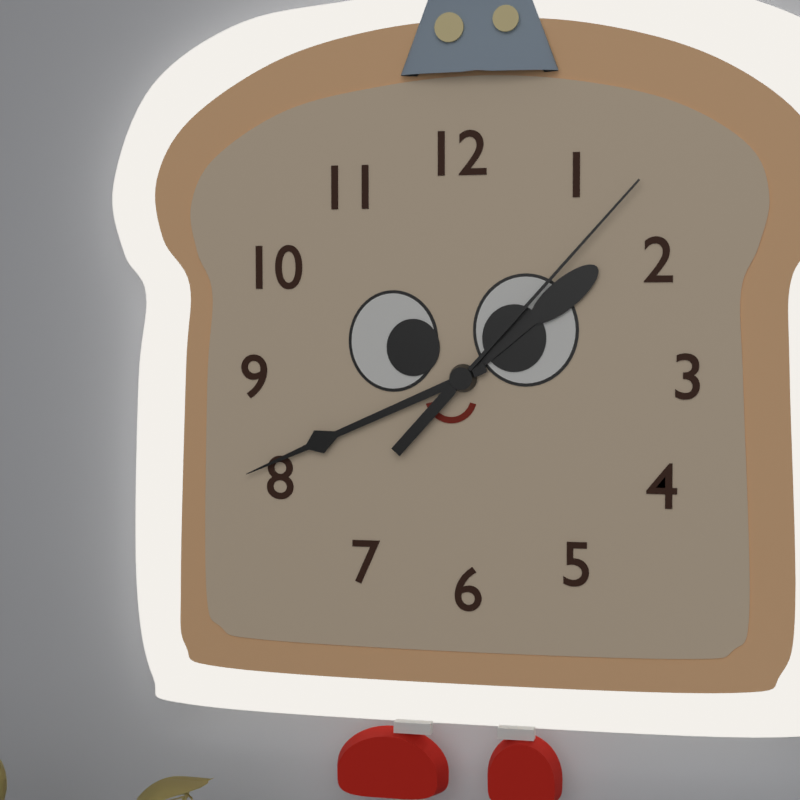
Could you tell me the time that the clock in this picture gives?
1:41:07
